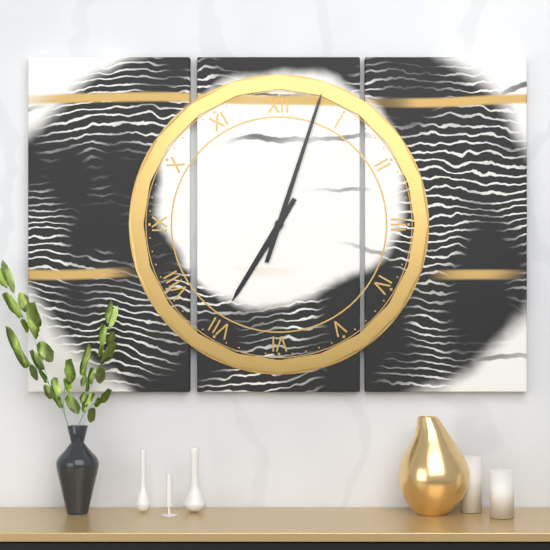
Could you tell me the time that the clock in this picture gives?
7:03
